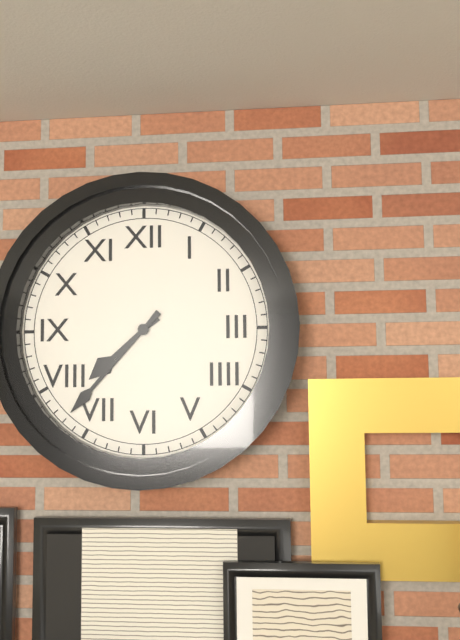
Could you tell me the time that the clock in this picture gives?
7:37
